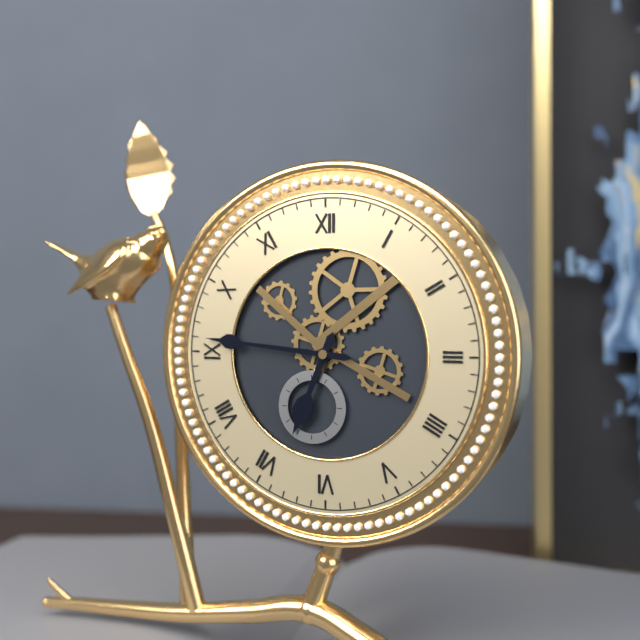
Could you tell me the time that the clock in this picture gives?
6:46
